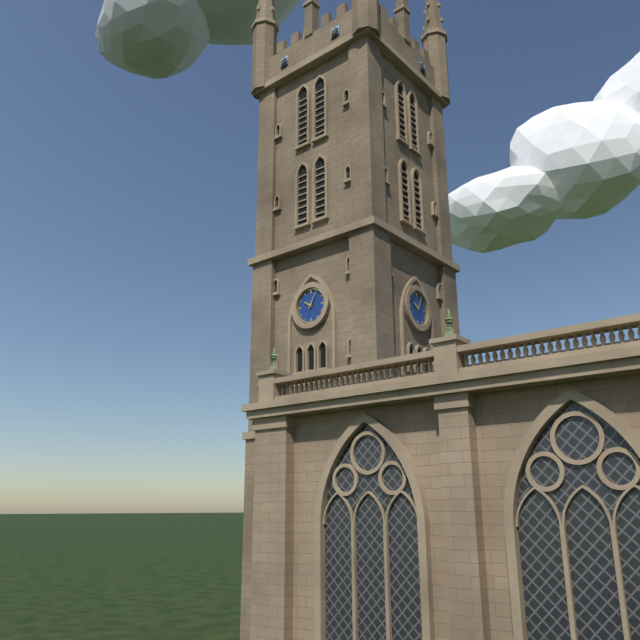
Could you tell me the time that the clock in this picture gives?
10:05
